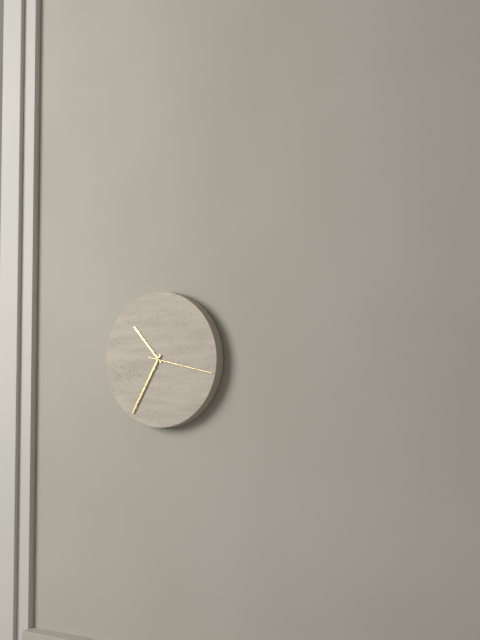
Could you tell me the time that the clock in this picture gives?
10:35:17
